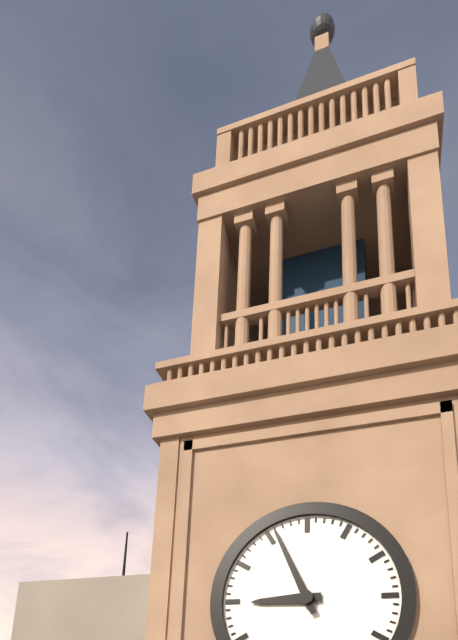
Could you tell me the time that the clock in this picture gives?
8:56
